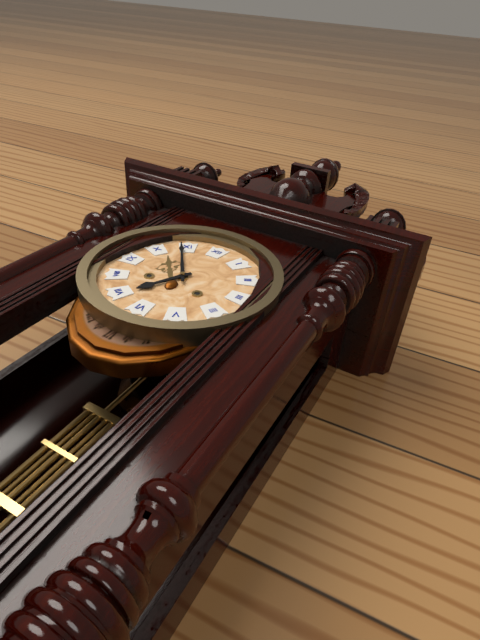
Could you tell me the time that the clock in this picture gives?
6:54
